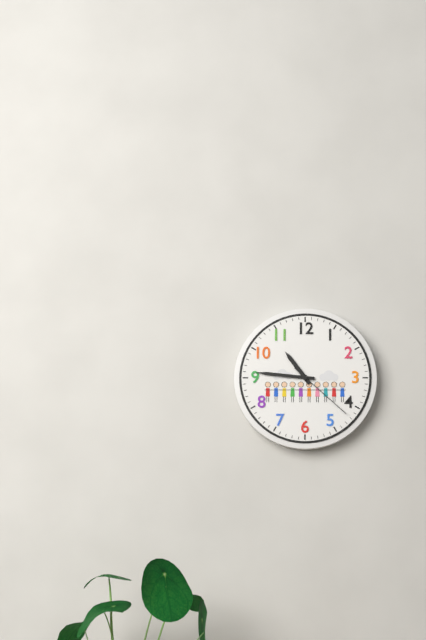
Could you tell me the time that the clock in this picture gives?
10:46:22
